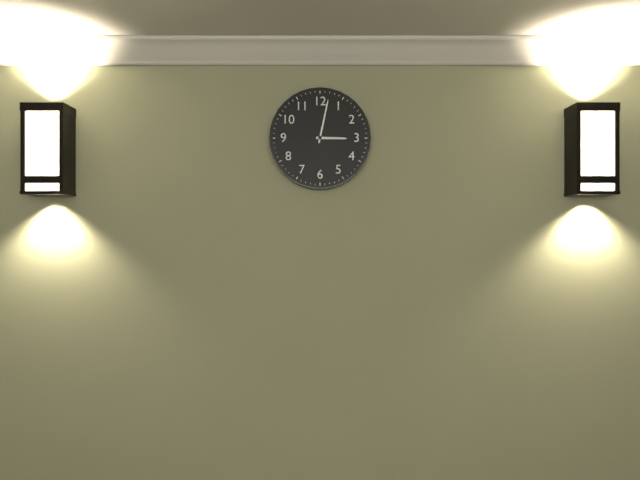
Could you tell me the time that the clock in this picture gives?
3:02
